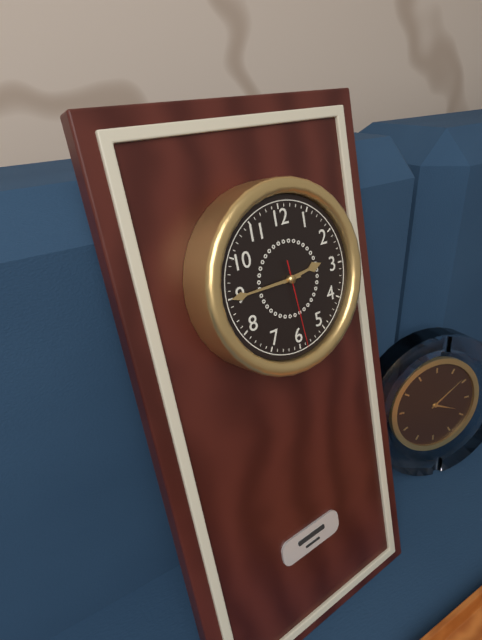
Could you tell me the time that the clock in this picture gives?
2:45:29
